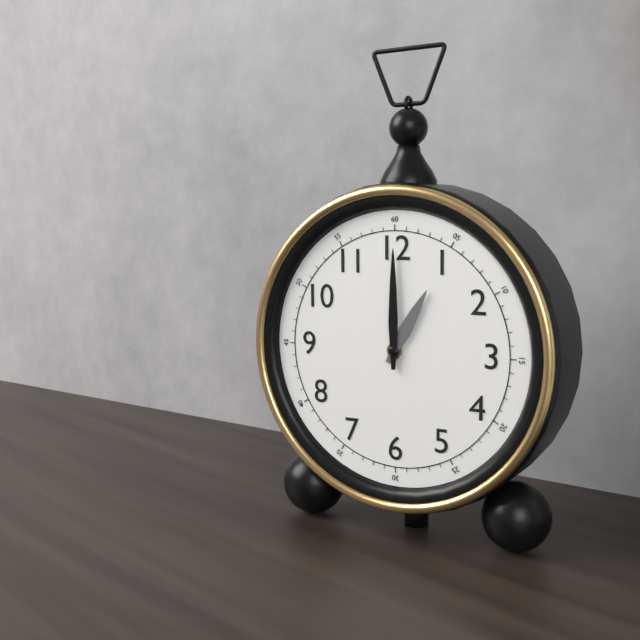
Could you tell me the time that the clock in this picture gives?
1:00
